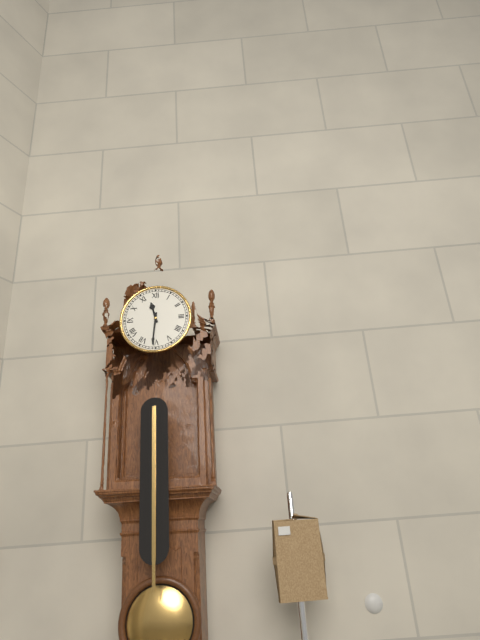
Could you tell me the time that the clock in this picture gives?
11:31
